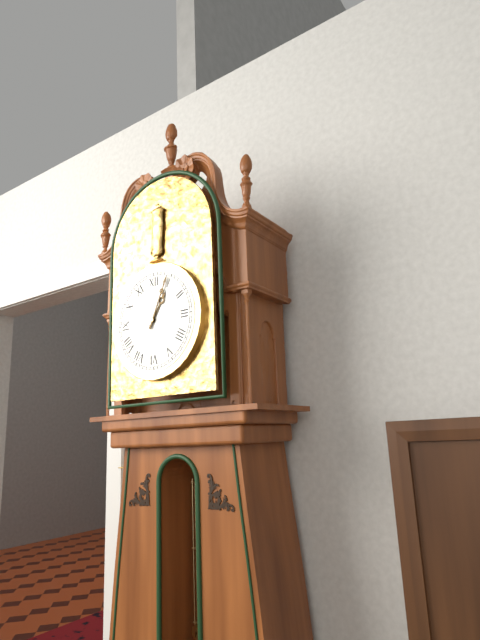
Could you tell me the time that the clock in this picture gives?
1:04
